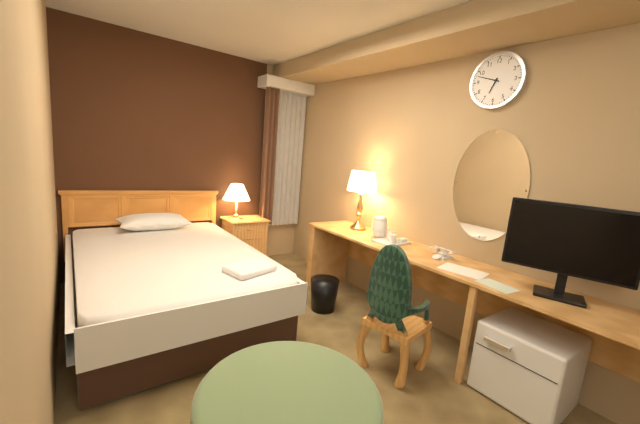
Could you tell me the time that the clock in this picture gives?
6:48
